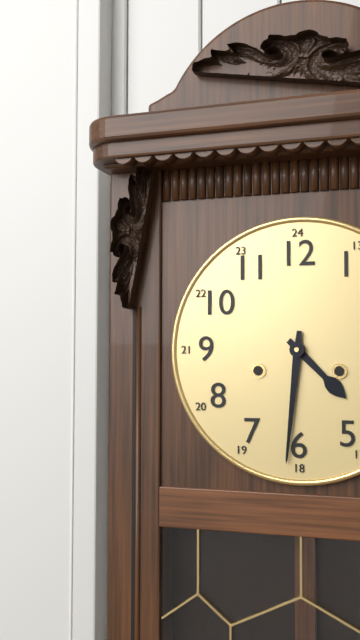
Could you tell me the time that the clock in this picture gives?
4:31
